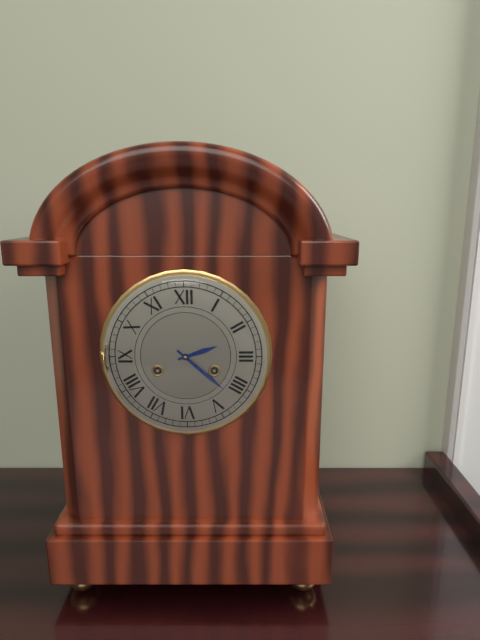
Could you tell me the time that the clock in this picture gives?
2:22
